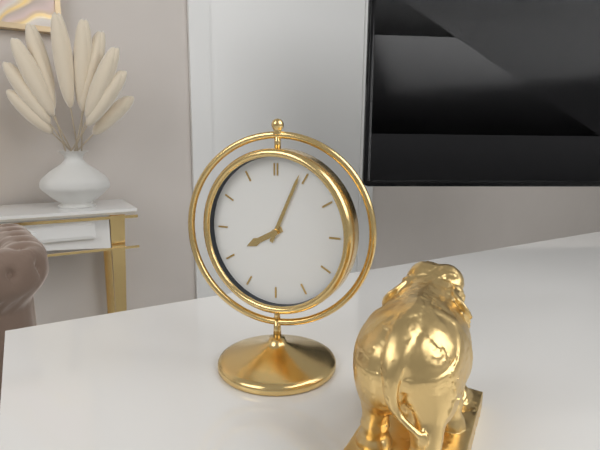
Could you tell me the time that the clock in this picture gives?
8:04
